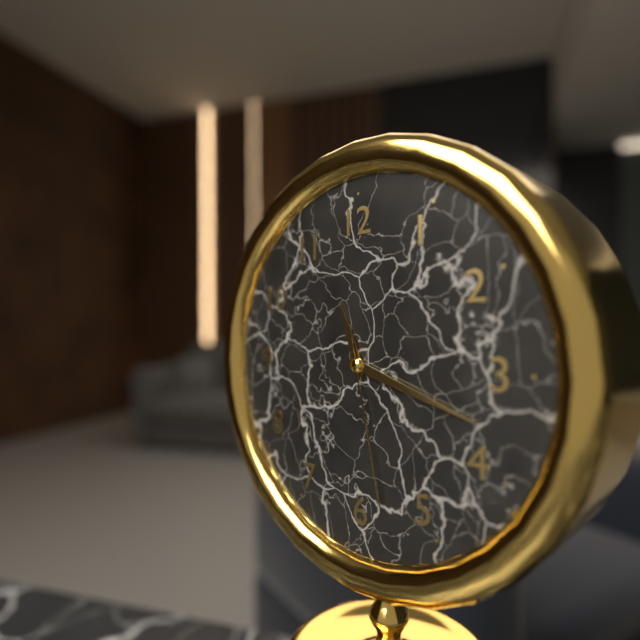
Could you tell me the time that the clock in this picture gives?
11:18:28
